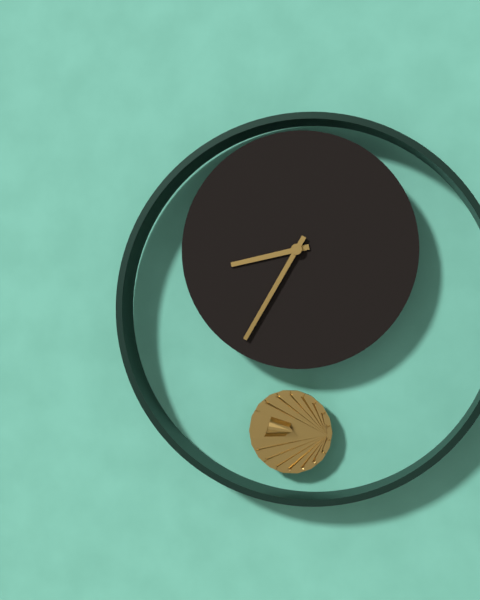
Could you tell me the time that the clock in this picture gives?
8:35
